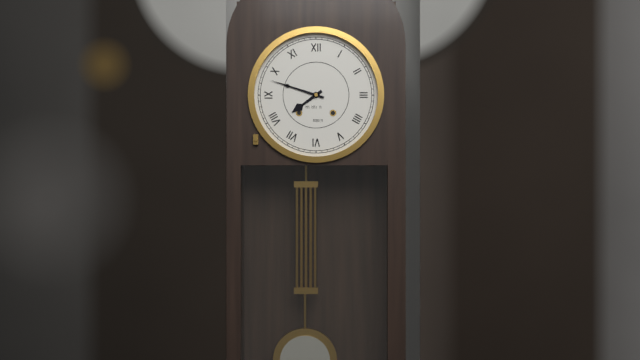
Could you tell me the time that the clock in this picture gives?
7:48
